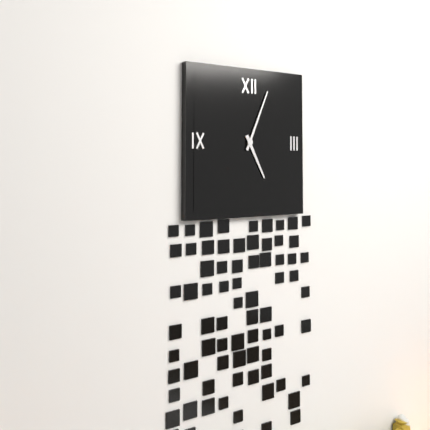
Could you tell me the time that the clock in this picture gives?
5:04
